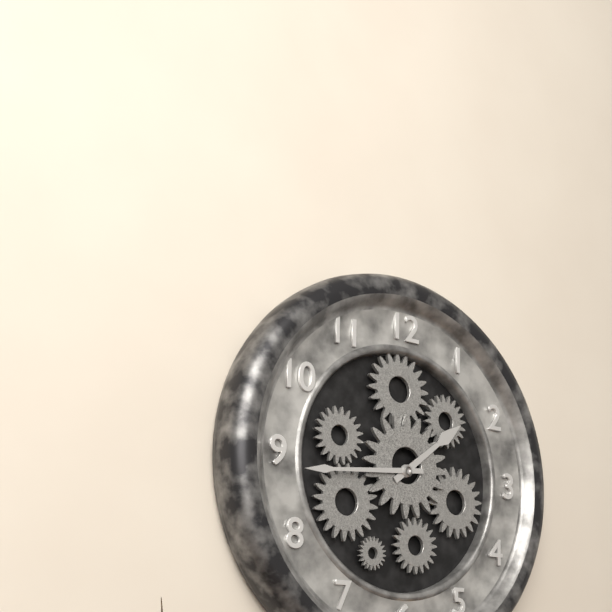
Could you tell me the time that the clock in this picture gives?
1:44
